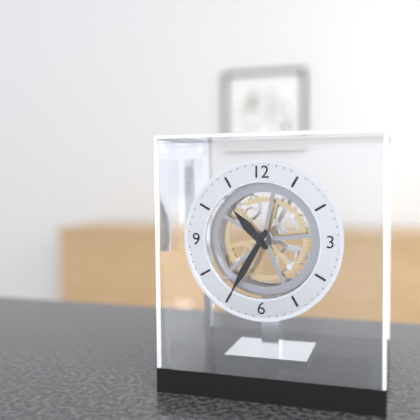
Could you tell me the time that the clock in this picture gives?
10:35
